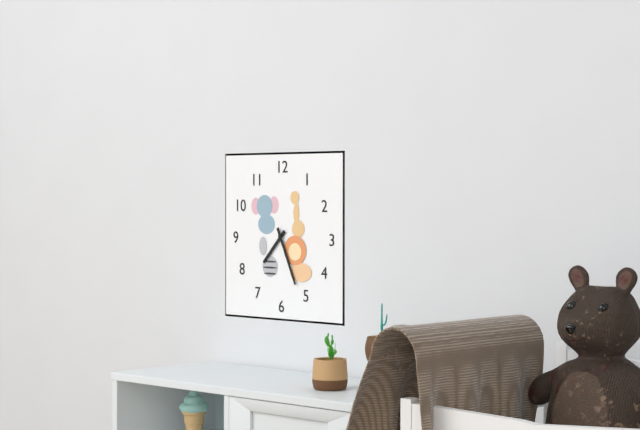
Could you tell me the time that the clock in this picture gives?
7:26
